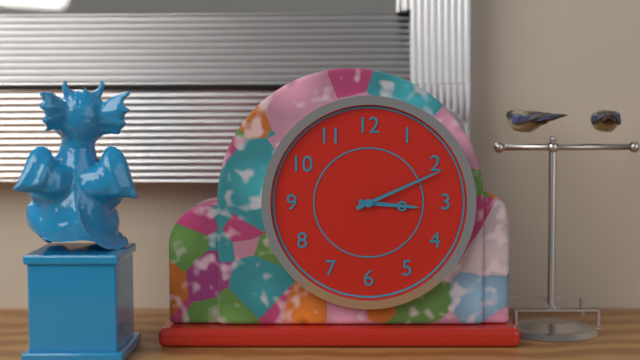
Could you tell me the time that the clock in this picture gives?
3:11
